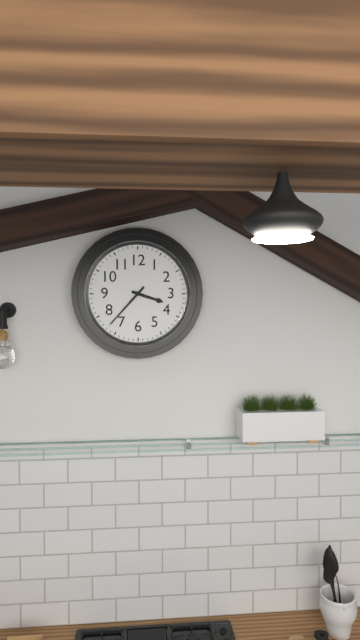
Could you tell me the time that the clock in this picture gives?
3:37
